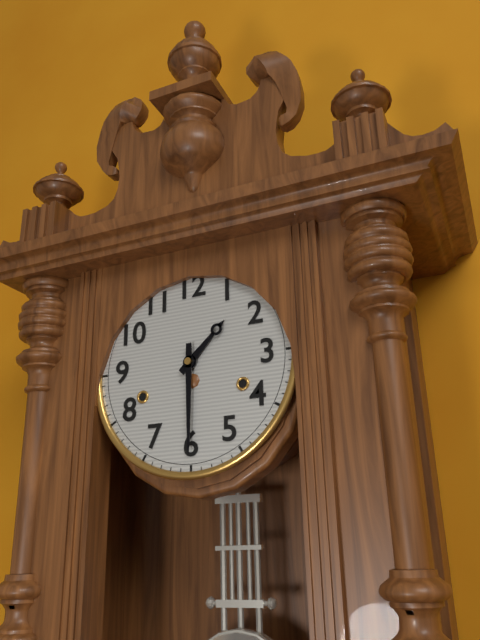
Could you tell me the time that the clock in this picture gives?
1:30
